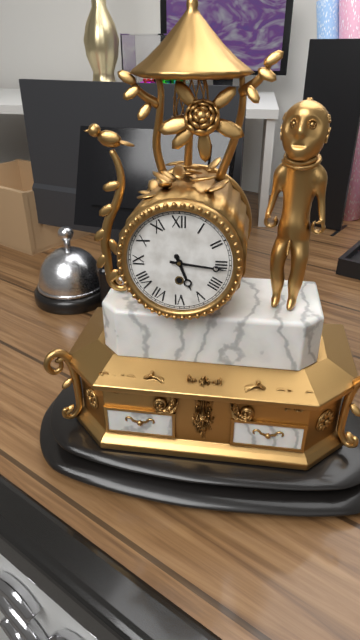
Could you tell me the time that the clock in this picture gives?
5:16
